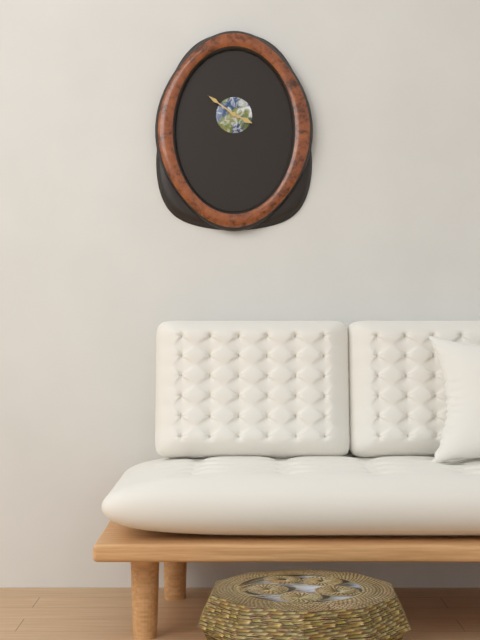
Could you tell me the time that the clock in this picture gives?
3:51
